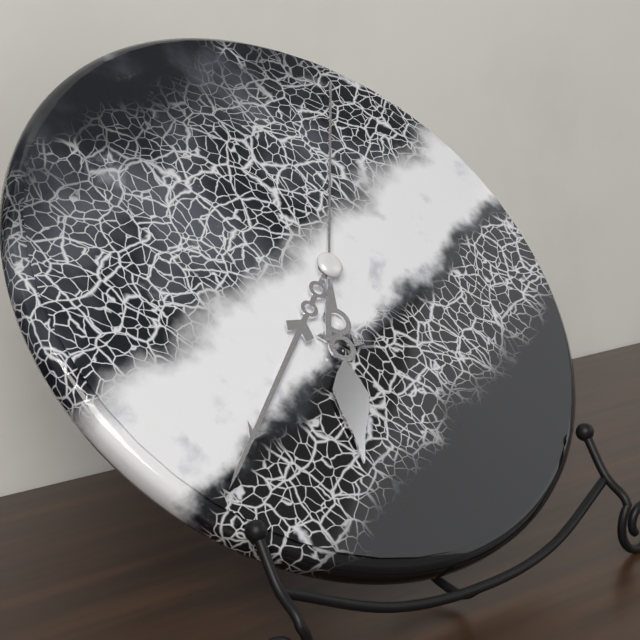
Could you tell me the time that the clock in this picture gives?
6:38:05
